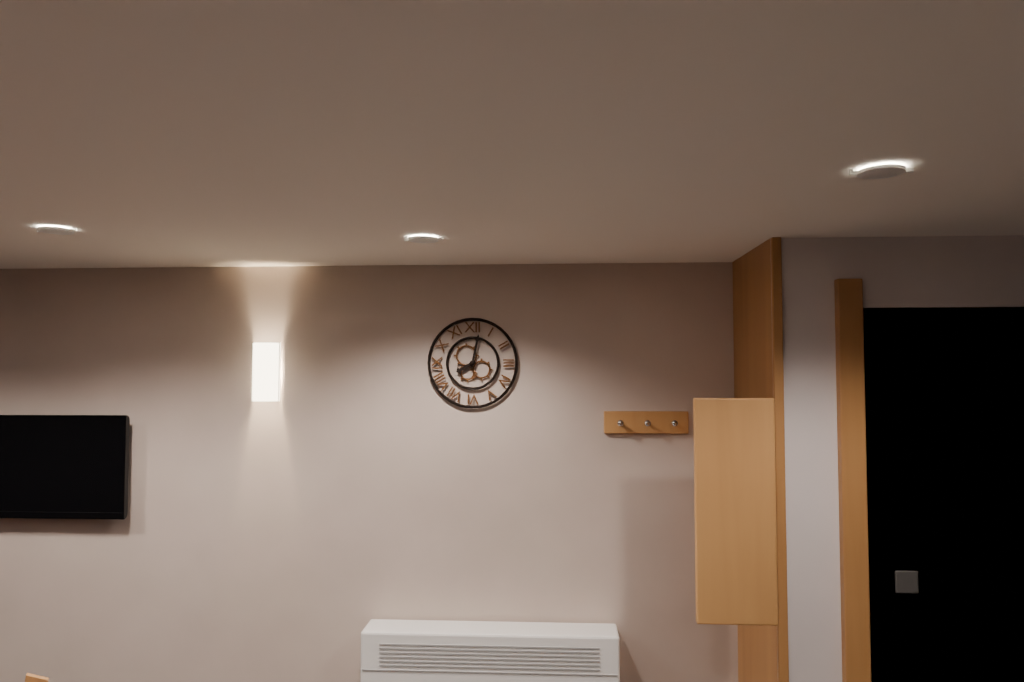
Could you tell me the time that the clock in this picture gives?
8:02
